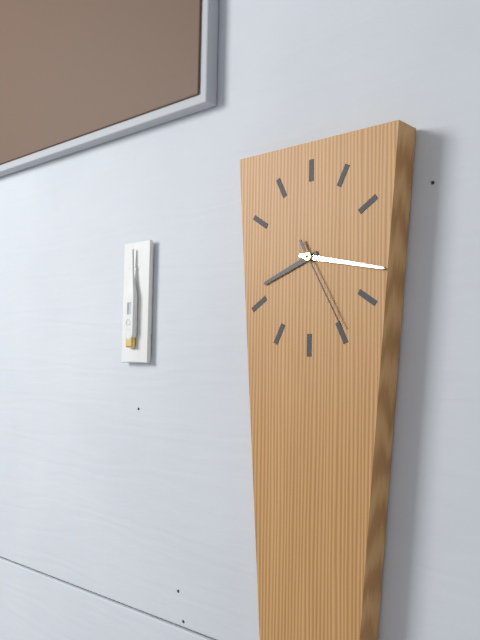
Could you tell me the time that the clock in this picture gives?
8:17:25
